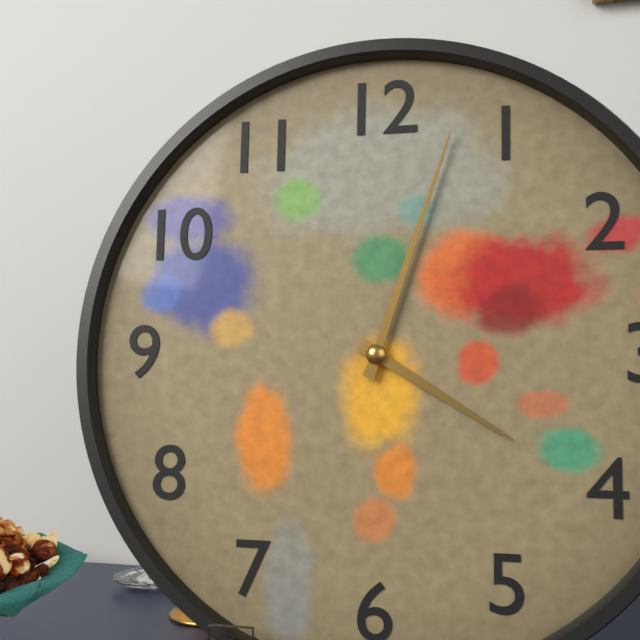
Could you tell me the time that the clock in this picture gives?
4:03
